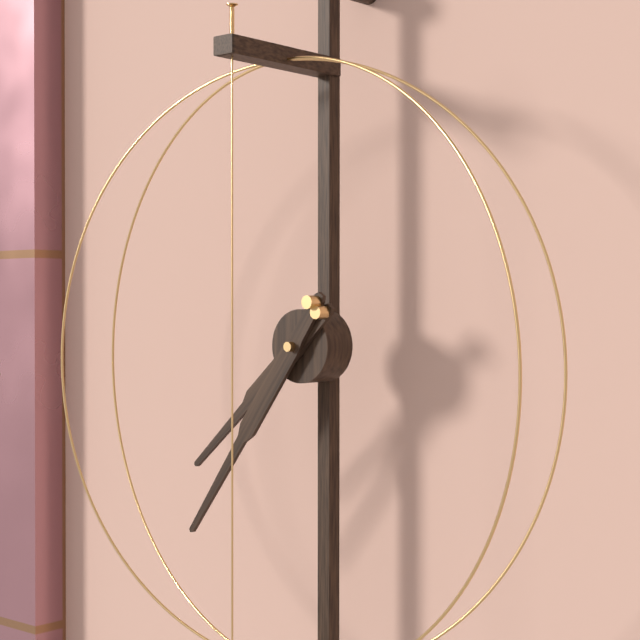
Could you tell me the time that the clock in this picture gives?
7:36
